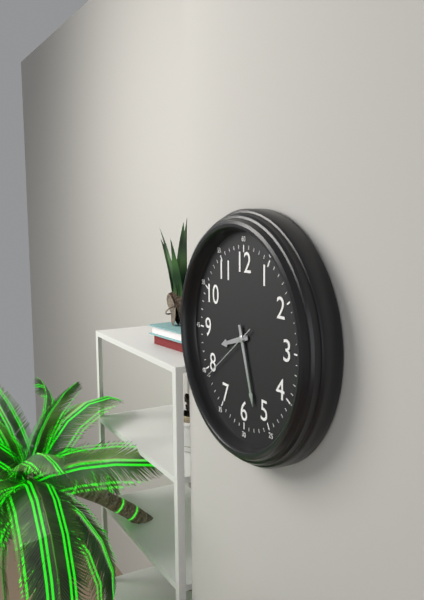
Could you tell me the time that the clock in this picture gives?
8:27:39
